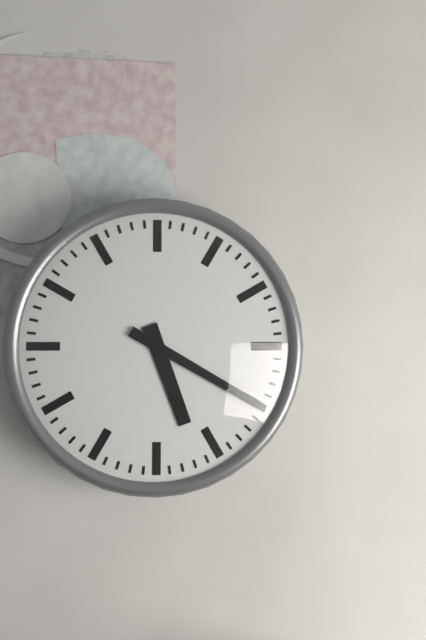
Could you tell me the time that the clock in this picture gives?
5:20
